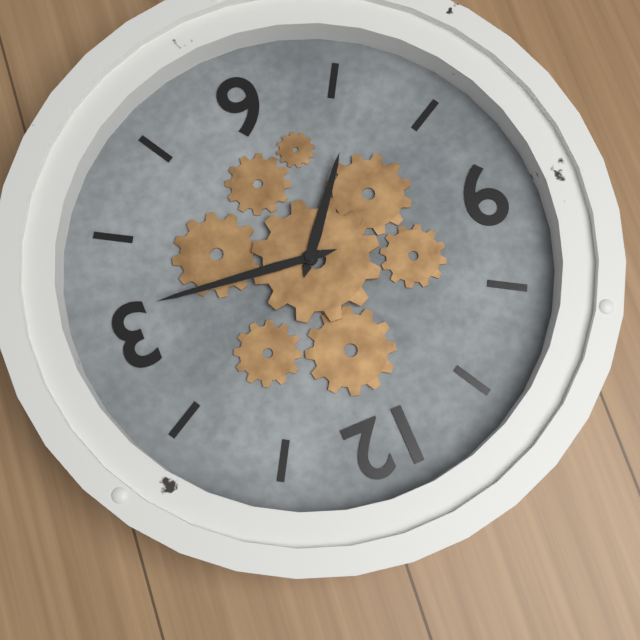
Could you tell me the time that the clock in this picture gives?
7:16
